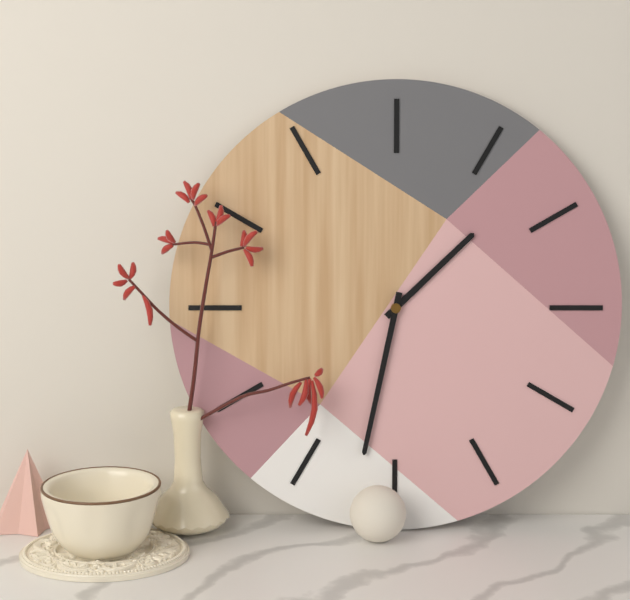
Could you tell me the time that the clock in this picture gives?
1:32
